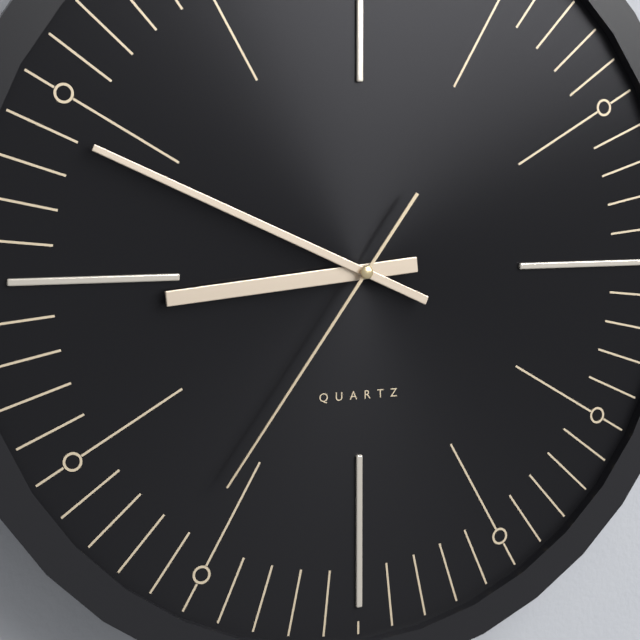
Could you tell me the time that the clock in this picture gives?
8:49:36
